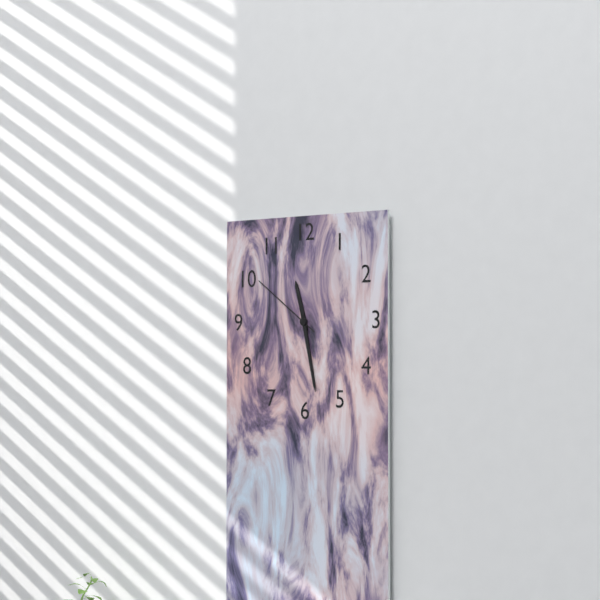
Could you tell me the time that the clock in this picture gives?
11:28:51
